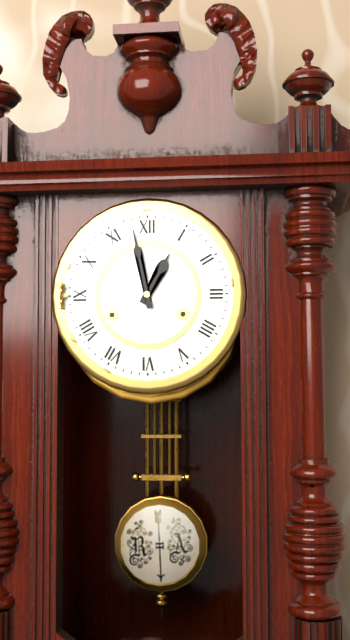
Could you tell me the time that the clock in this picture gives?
12:58
